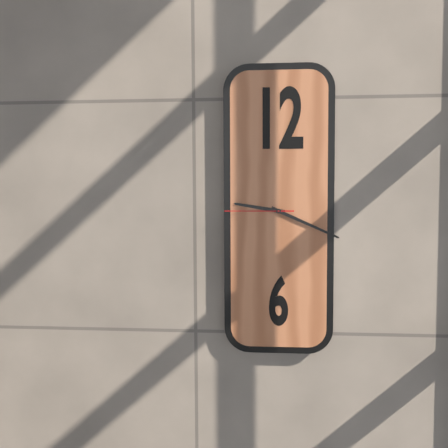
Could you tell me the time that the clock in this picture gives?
9:19:45
